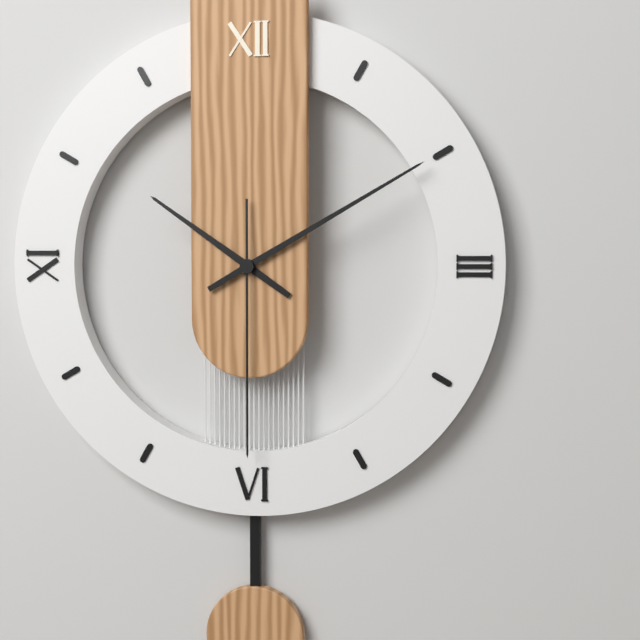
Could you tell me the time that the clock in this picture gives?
10:10:30
